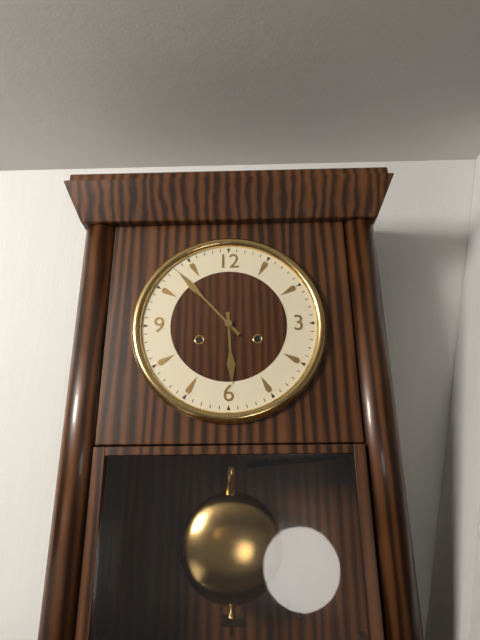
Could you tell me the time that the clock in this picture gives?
5:53
